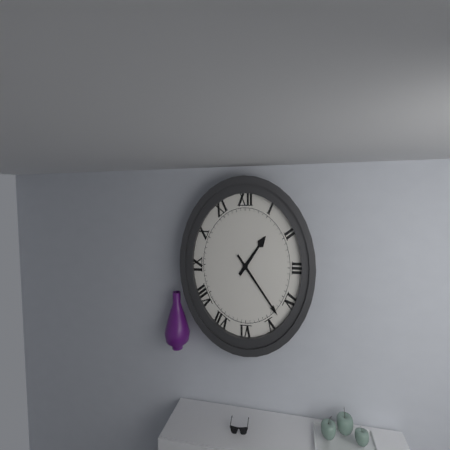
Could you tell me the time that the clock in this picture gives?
1:23
